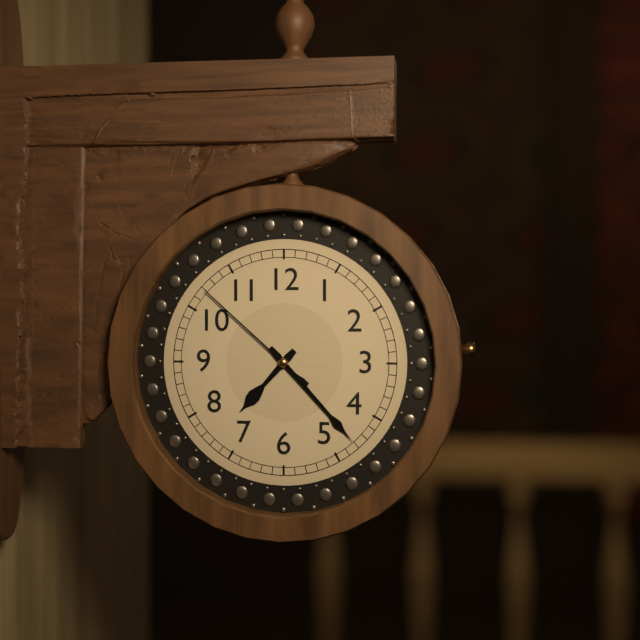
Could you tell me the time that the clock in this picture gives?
7:23:52
